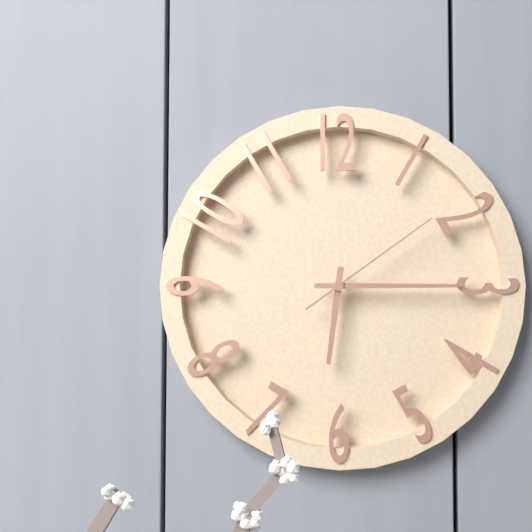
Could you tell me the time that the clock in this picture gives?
6:15:09
